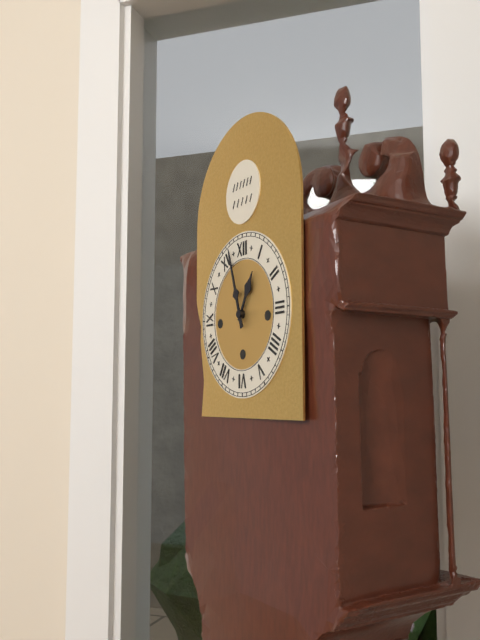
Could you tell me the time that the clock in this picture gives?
12:57
